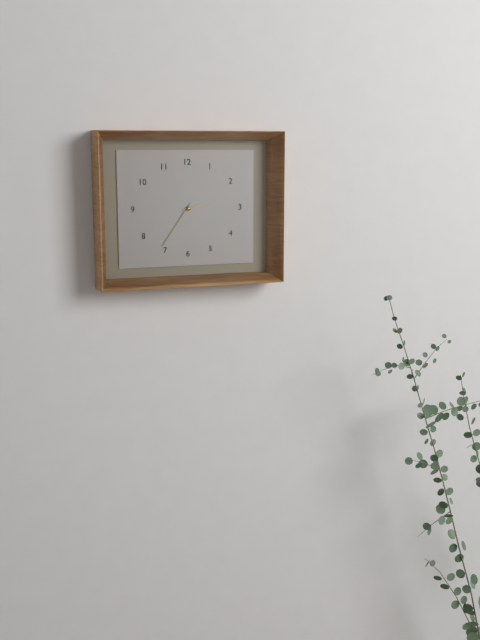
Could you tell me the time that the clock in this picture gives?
2:36
